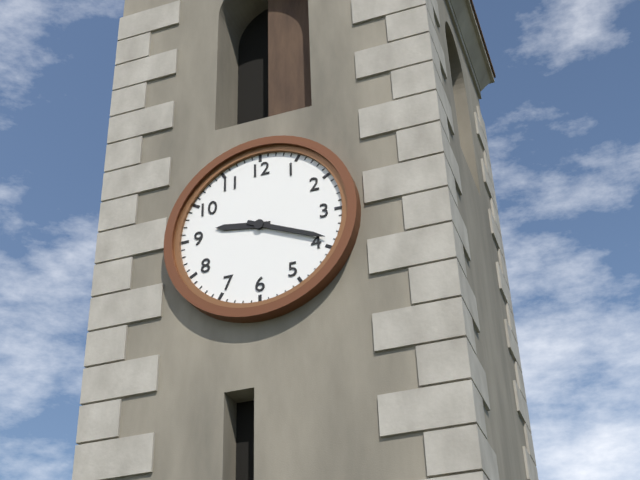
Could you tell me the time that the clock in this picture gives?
9:19
